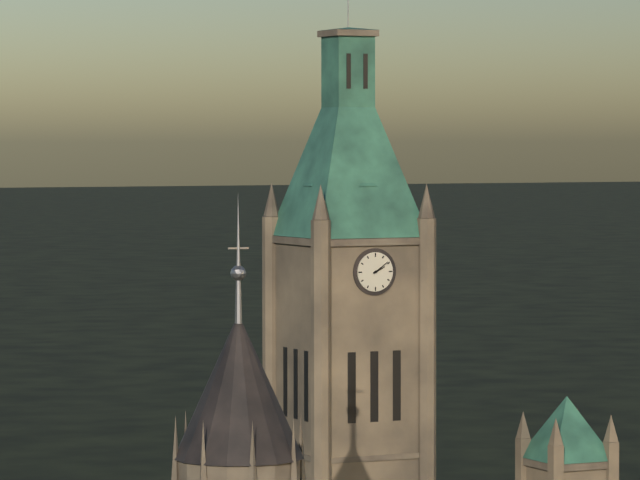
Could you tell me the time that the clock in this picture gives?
2:09
